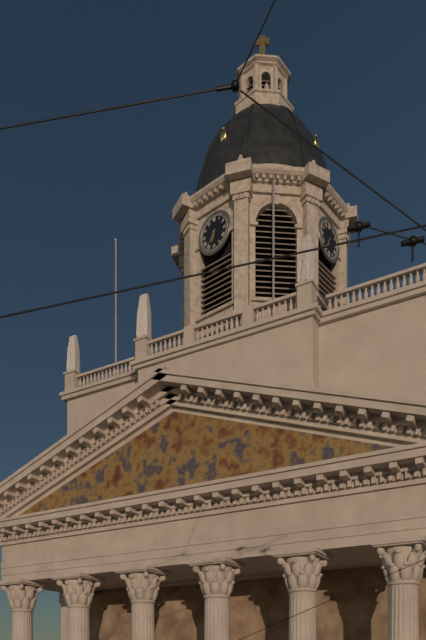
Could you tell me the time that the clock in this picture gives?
6:36
